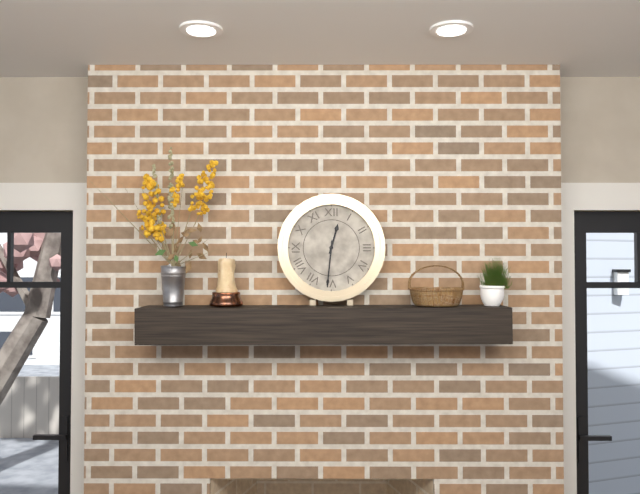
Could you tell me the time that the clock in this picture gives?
12:31
